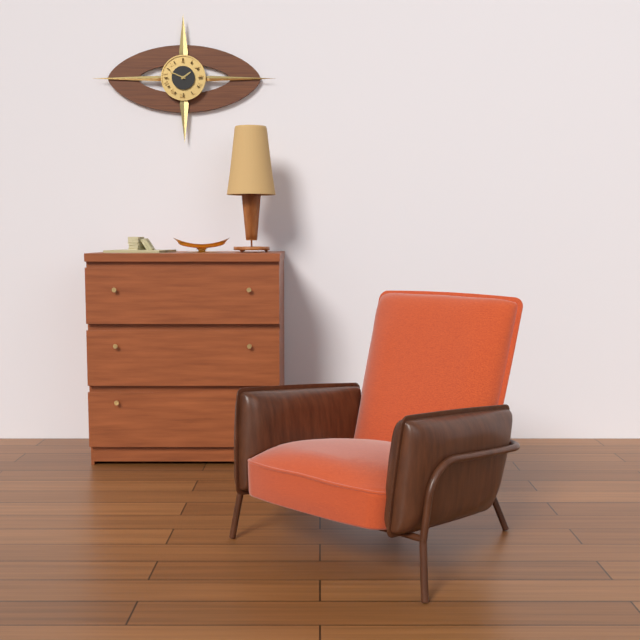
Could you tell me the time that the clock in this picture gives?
1:49
